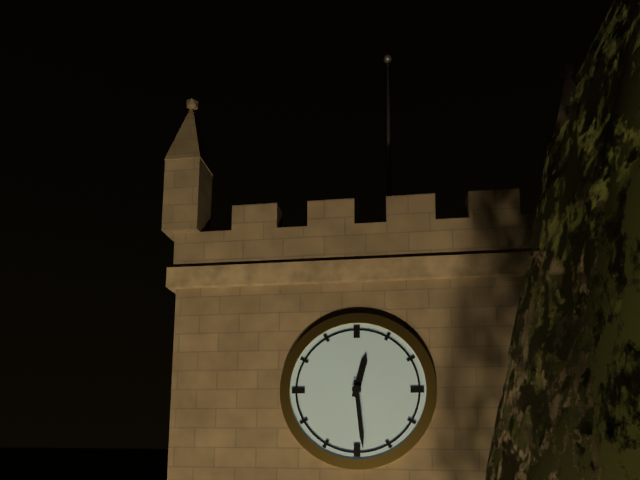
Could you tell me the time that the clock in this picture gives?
12:29
